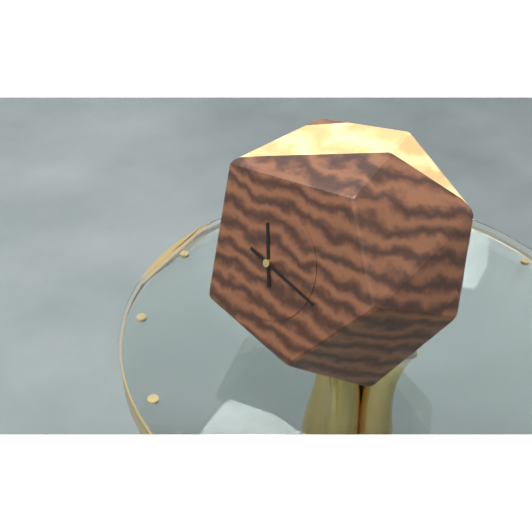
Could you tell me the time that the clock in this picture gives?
11:17
